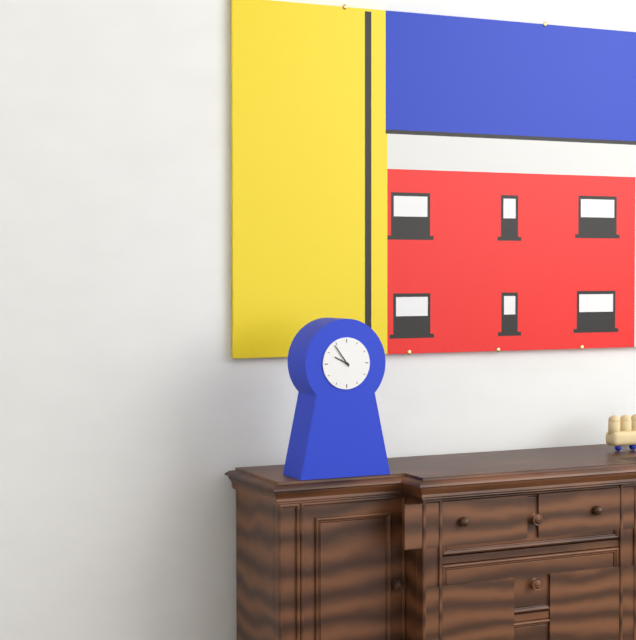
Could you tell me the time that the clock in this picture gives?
9:54
